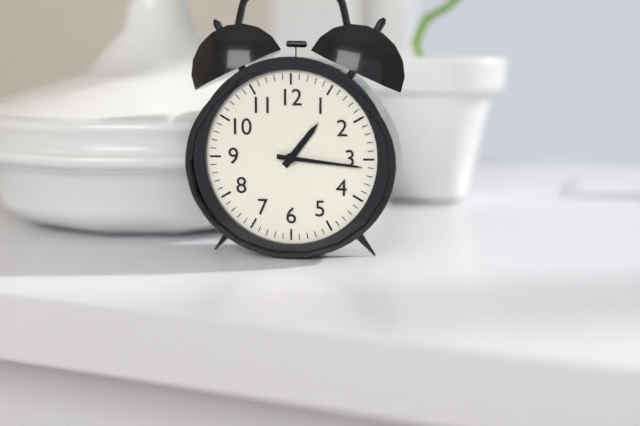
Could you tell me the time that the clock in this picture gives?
1:16
